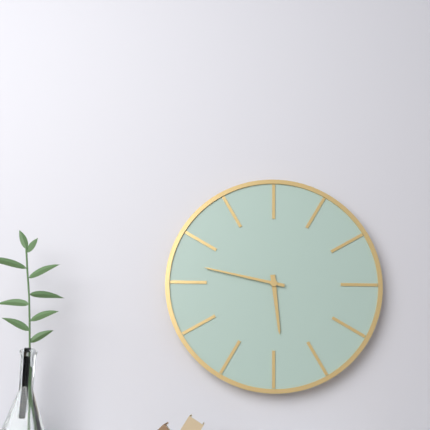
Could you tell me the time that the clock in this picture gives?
5:47
